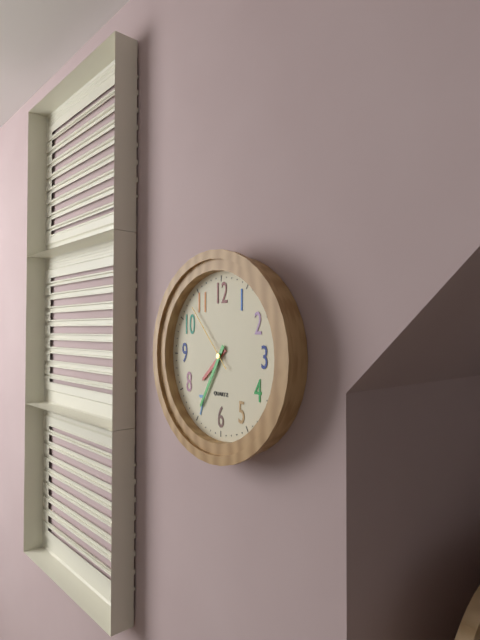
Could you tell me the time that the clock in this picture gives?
7:35:53
